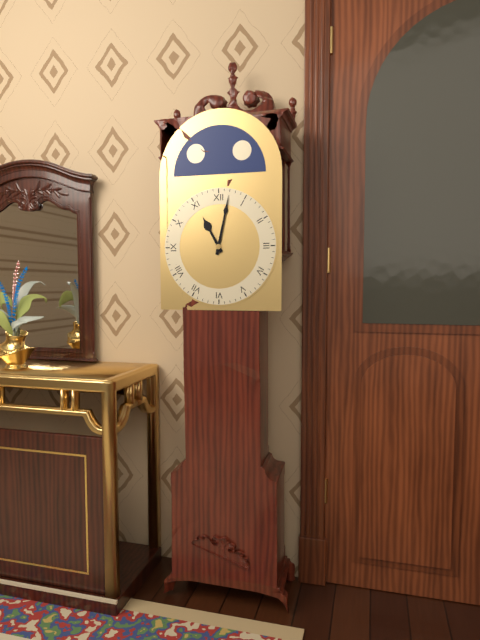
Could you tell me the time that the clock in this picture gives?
11:02
